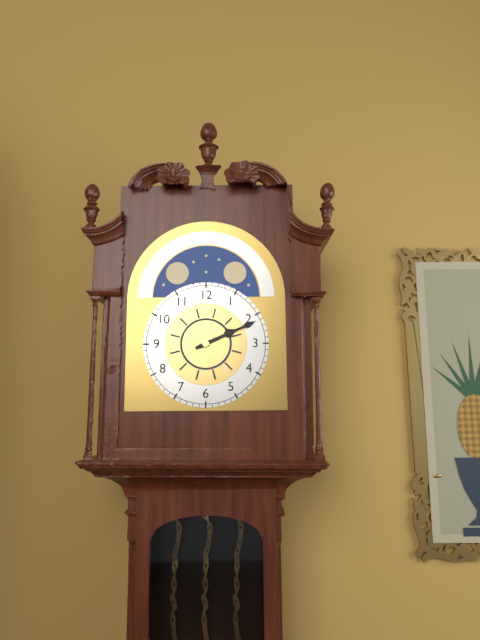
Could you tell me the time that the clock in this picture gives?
2:11
